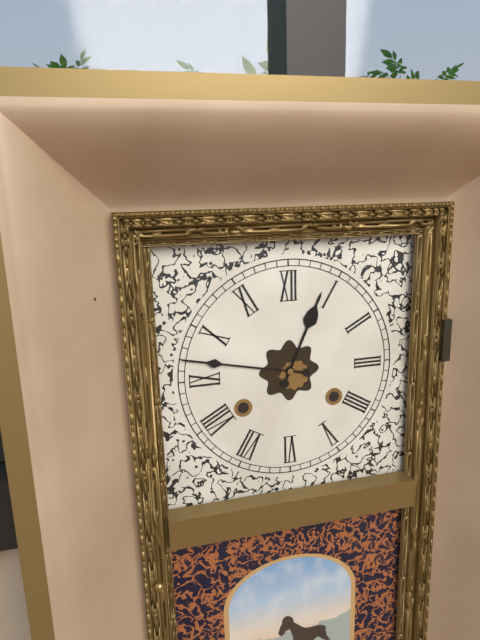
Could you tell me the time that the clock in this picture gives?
12:47
